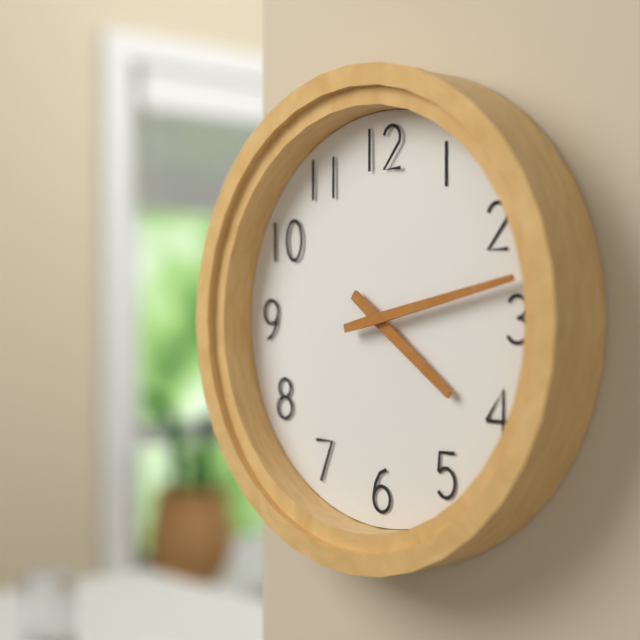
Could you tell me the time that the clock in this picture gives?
4:13
